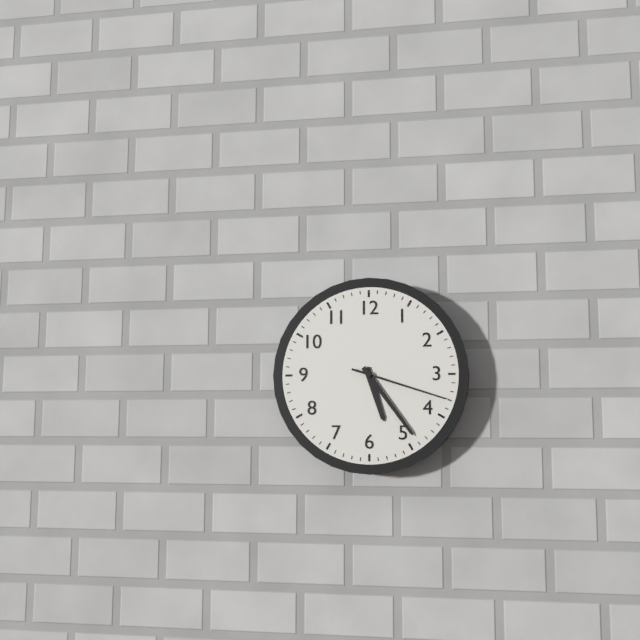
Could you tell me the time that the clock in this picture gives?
5:24:18
